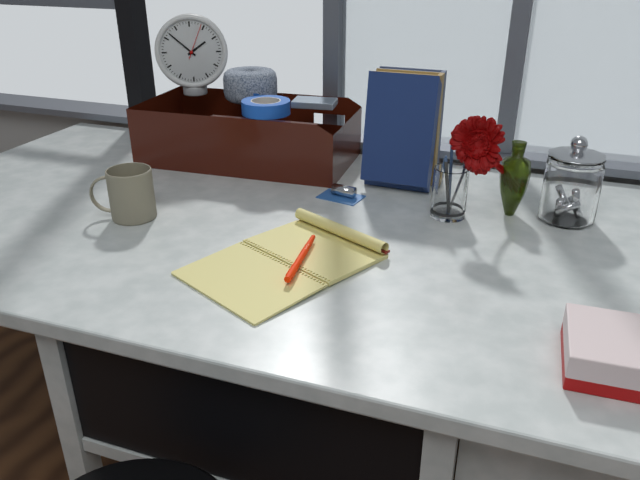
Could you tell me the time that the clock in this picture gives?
1:52
